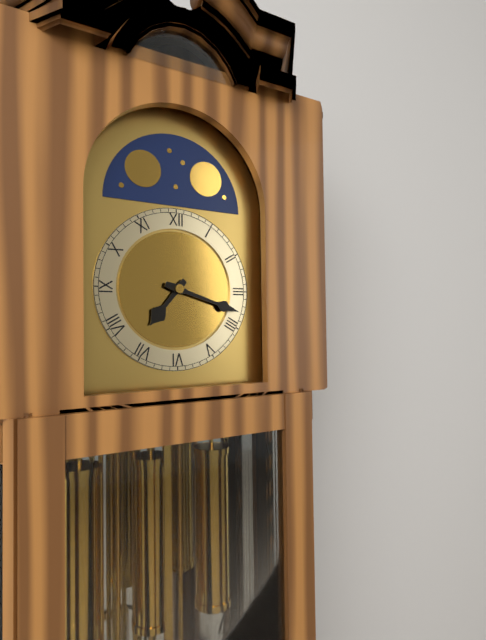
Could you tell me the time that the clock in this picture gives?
7:18
